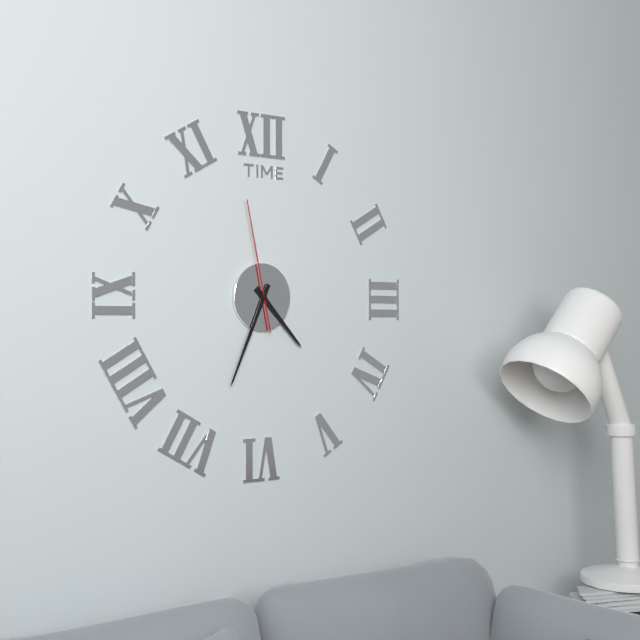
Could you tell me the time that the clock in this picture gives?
4:34:58
